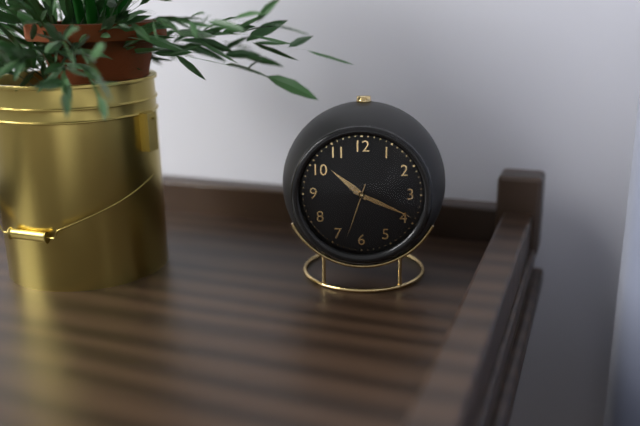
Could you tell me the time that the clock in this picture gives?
10:19:33
